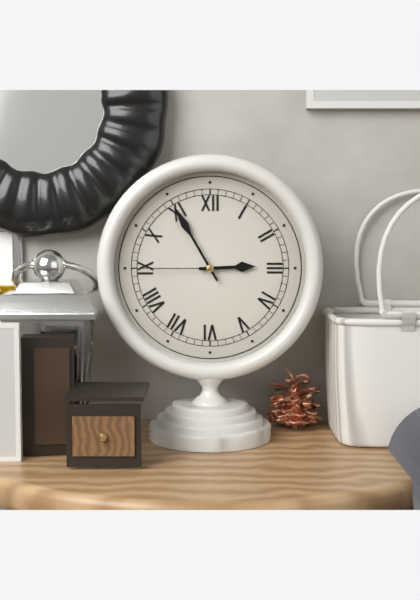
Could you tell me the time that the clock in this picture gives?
2:55:45
